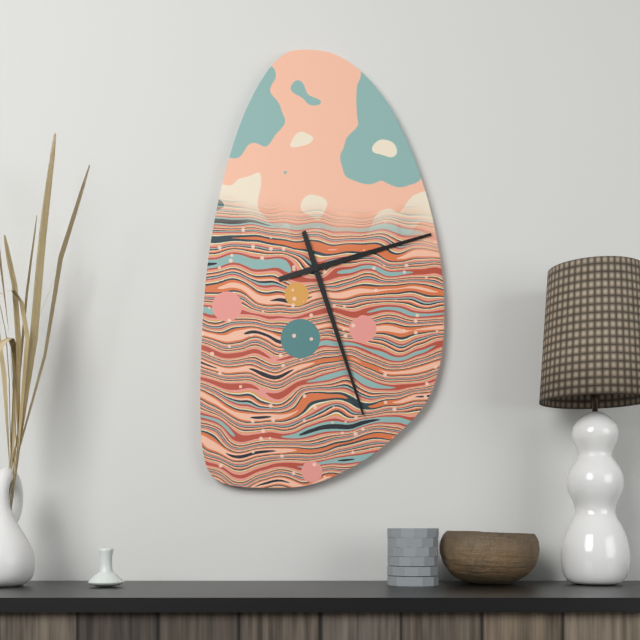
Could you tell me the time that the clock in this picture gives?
2:27
